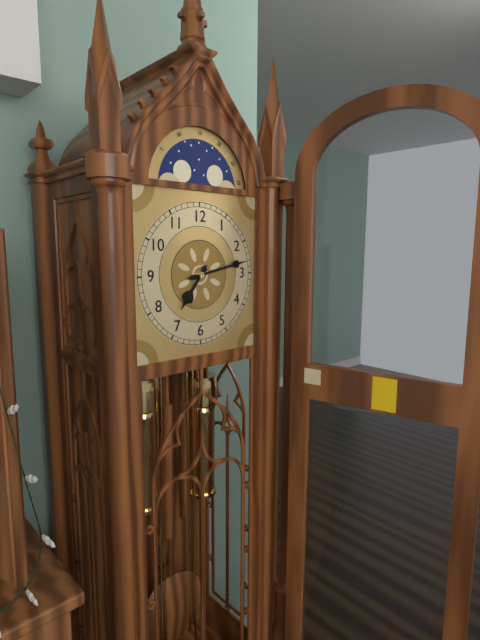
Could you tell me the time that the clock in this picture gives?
7:13
